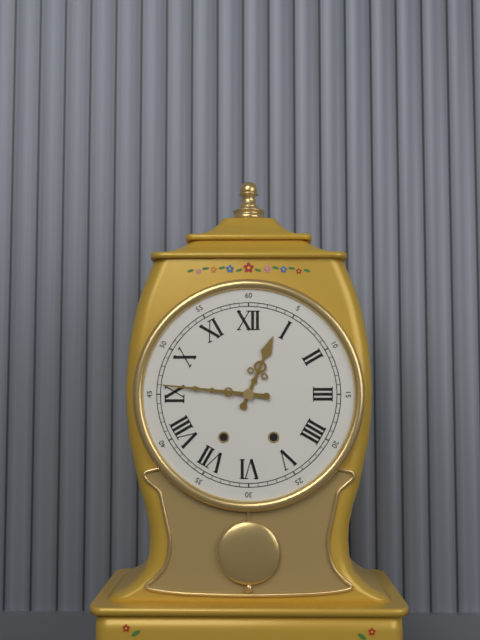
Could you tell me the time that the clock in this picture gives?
12:46
